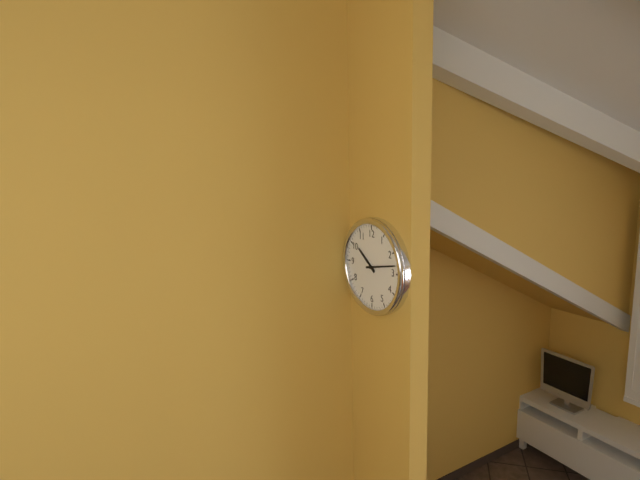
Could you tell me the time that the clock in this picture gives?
10:13
